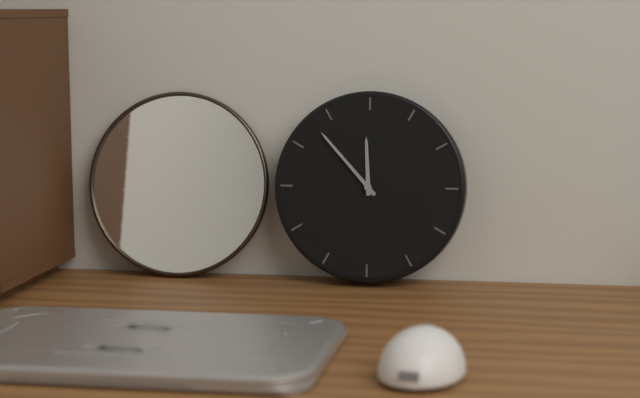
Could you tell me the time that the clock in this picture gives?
11:53
